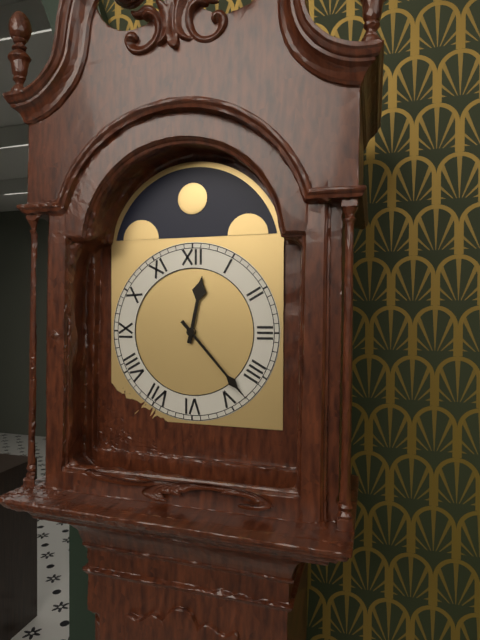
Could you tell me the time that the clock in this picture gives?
12:23
